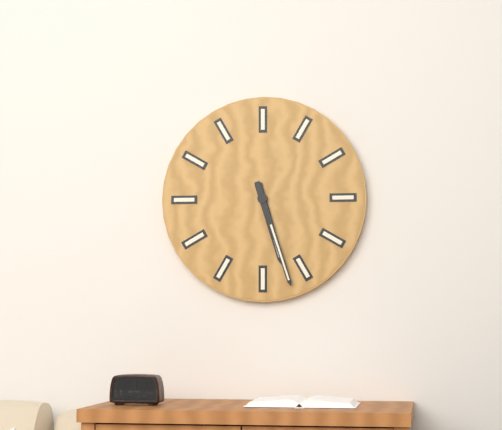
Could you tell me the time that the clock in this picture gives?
5:27
